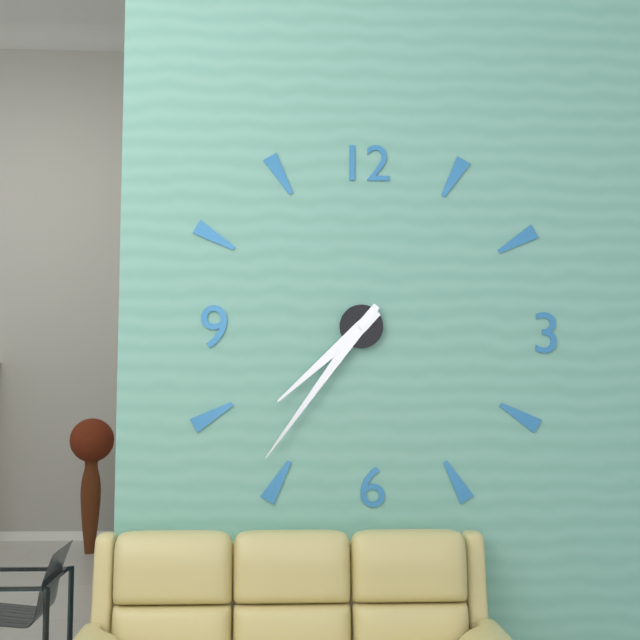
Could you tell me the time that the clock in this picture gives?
7:36
